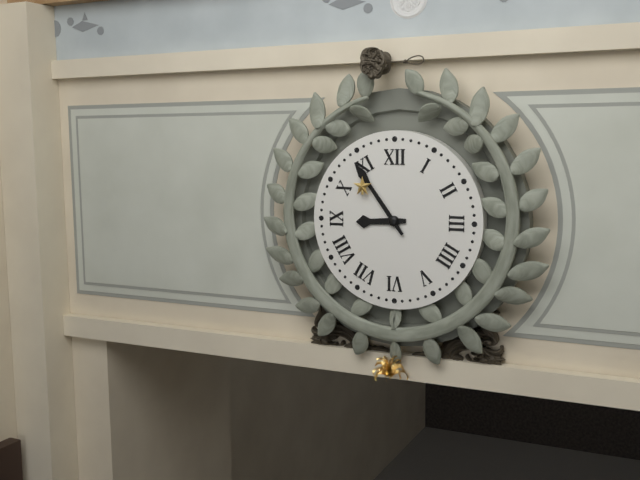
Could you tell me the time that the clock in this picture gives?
8:54
